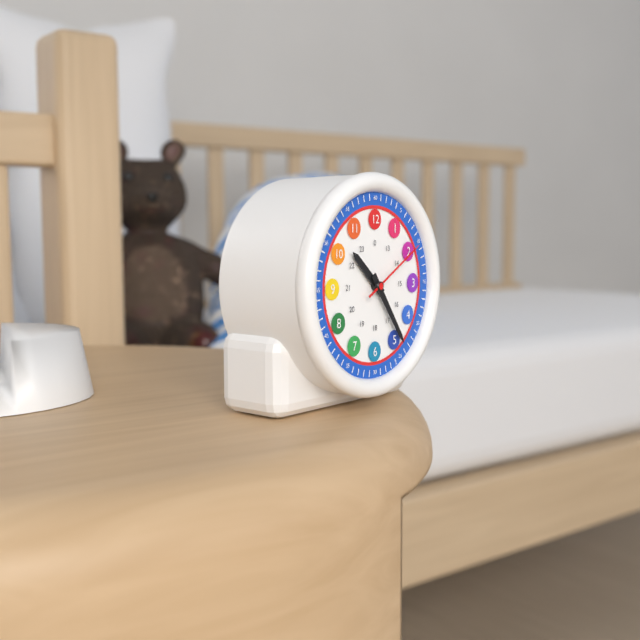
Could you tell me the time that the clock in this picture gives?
10:24:10
